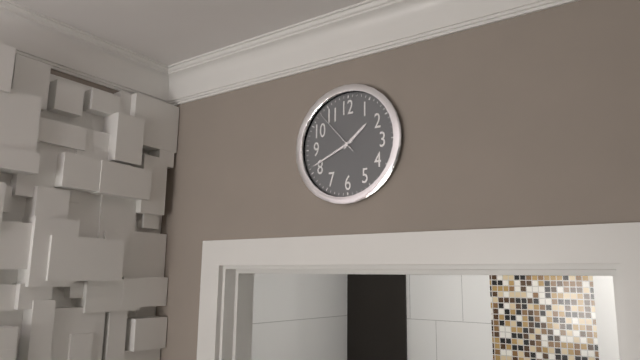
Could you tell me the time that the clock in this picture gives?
1:41:53
